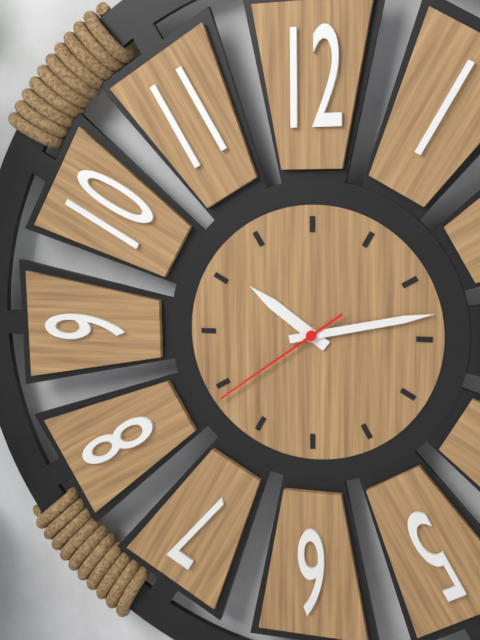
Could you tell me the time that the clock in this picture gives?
10:13:39
